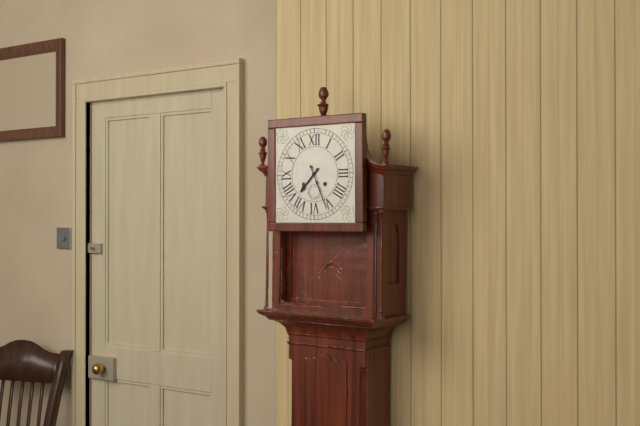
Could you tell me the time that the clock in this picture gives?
7:26
